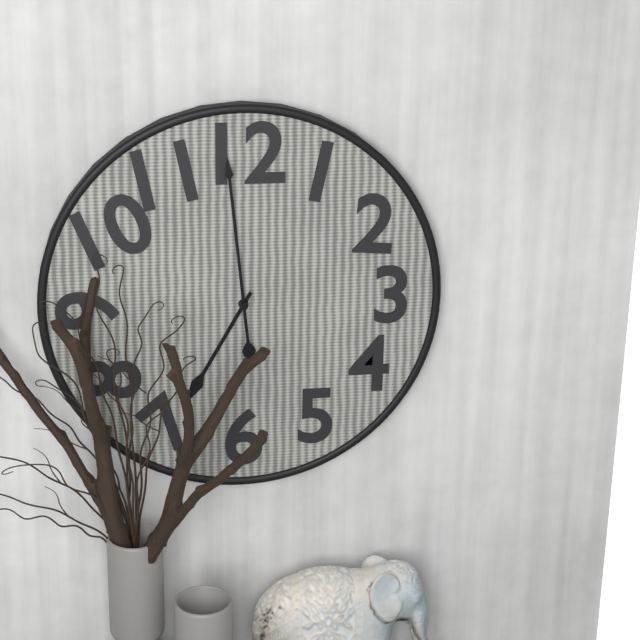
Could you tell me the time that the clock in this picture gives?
6:59
